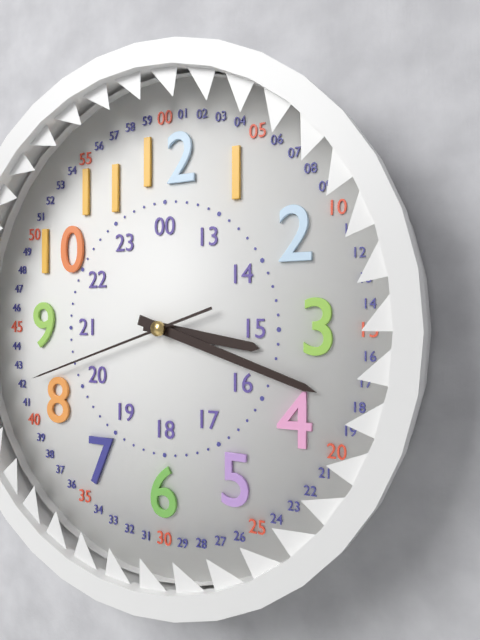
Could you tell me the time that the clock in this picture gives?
3:18:42
